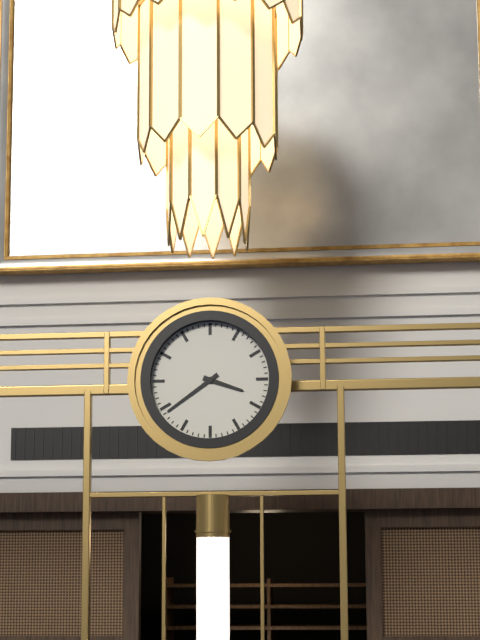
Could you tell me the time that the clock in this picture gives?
3:39
